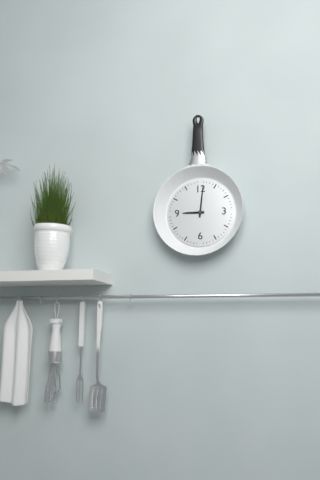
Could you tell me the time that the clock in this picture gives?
9:01
